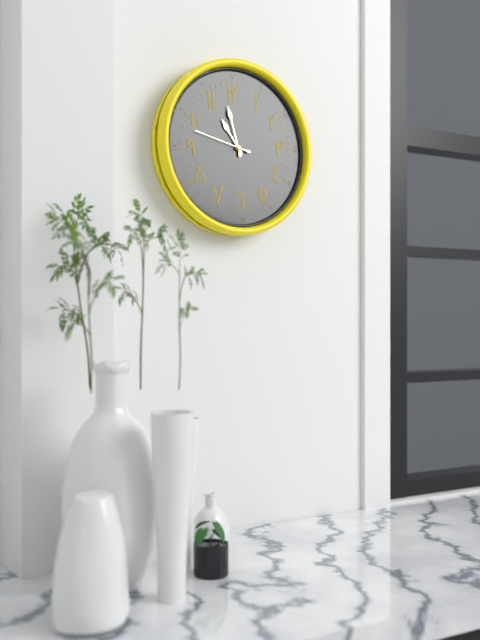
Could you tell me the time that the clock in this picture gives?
10:58
